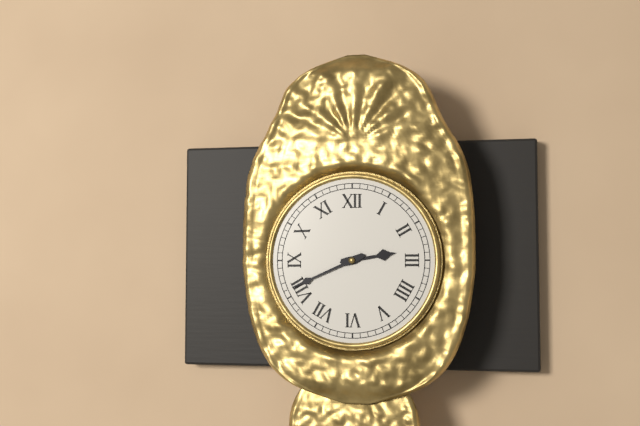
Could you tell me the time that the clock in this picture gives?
2:41
